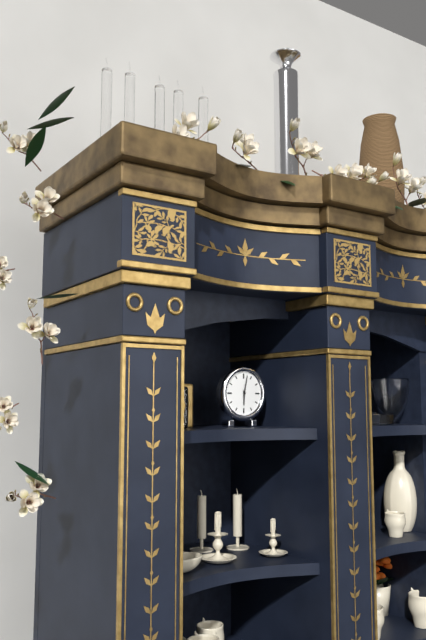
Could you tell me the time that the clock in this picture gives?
6:02
